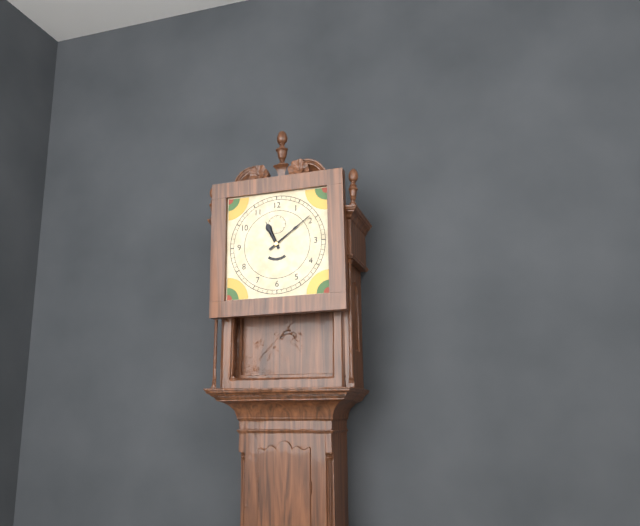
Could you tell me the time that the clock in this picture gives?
11:09
